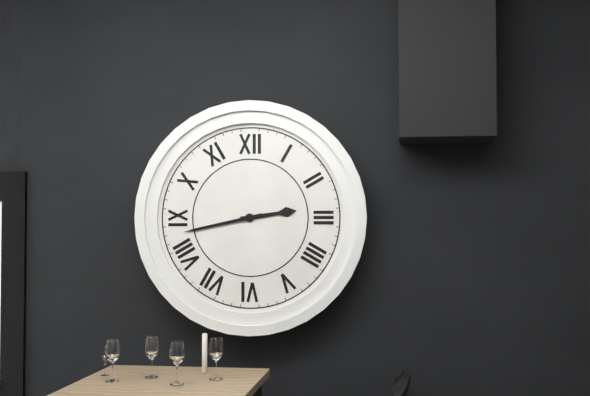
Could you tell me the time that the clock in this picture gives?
2:43
